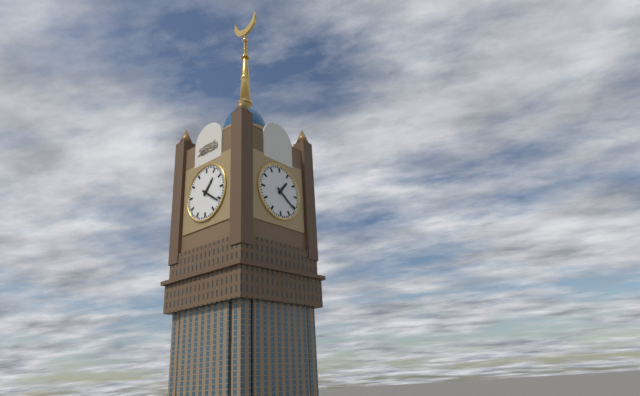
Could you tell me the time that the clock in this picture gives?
1:21
